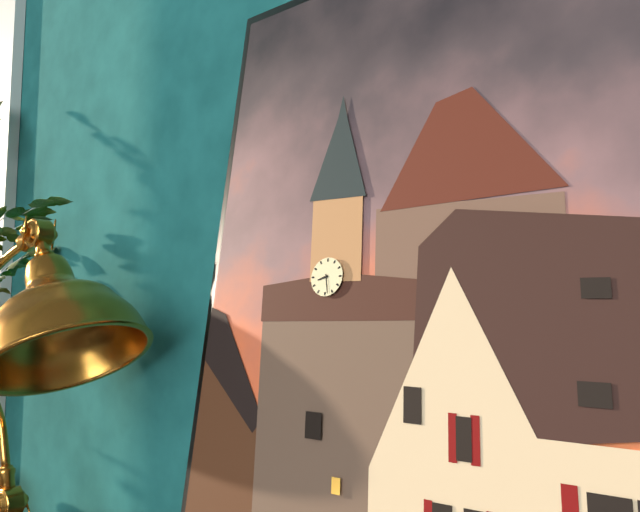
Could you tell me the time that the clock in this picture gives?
8:28
